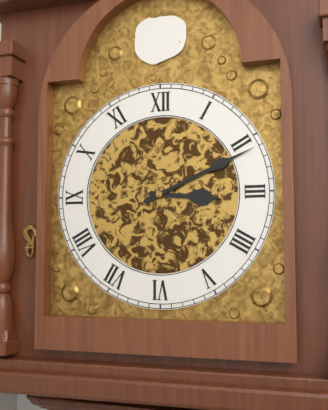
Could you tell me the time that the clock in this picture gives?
3:11
